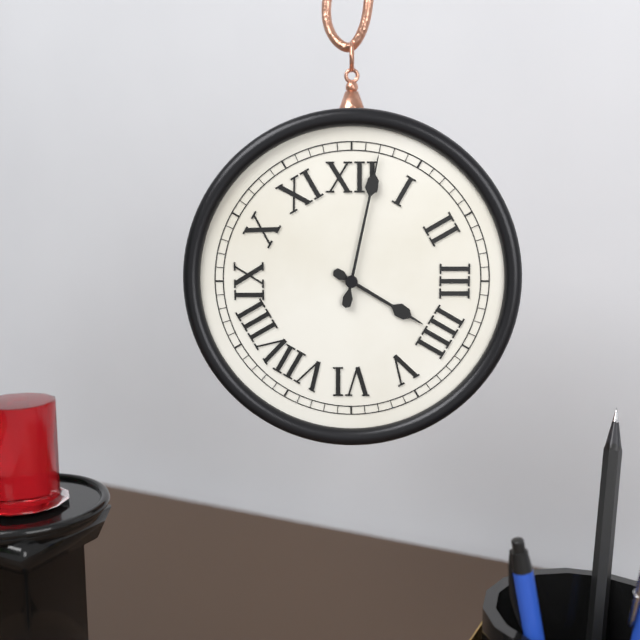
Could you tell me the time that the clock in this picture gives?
4:02
